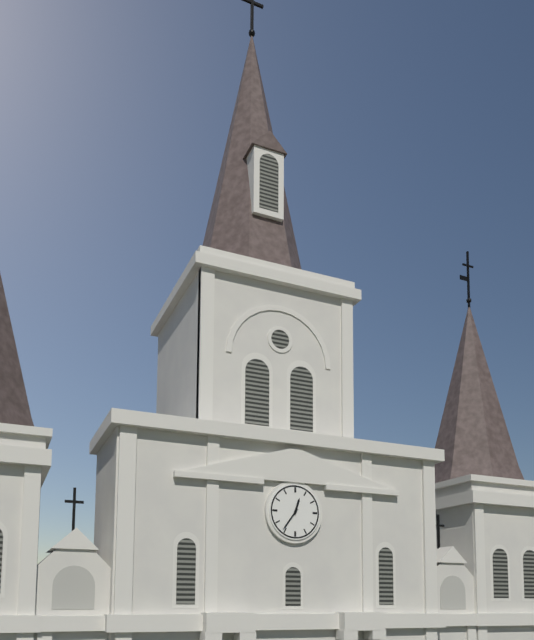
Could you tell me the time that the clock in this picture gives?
12:36
